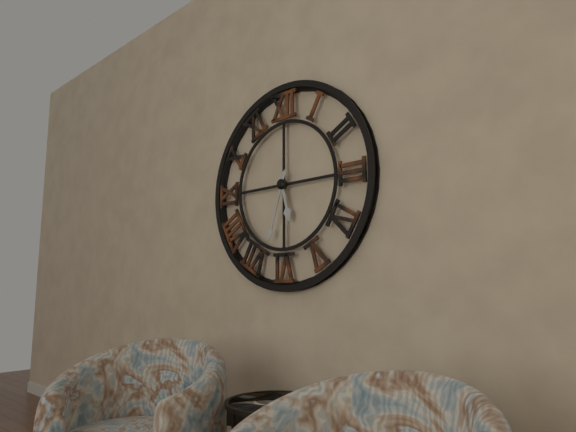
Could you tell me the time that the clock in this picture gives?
5:33
